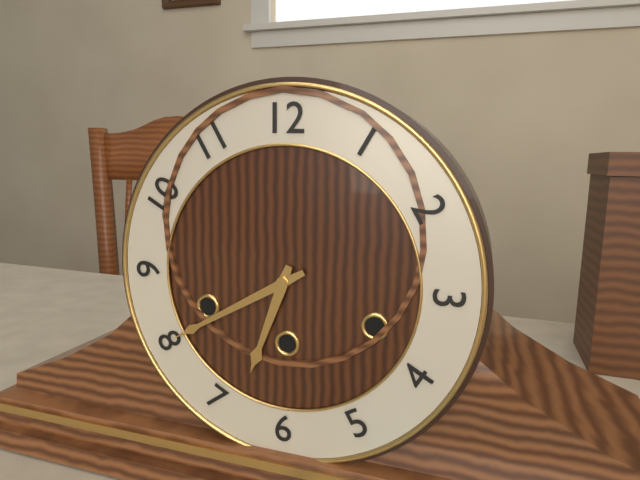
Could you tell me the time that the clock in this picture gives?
6:40
